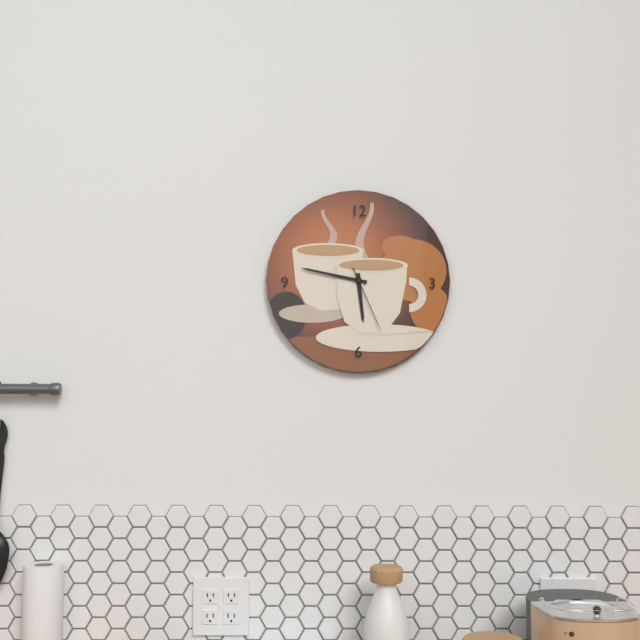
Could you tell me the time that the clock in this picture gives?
5:47:26
